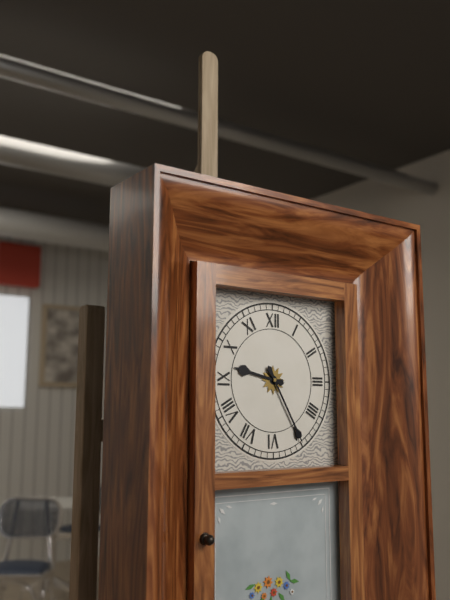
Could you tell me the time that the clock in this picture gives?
9:25
